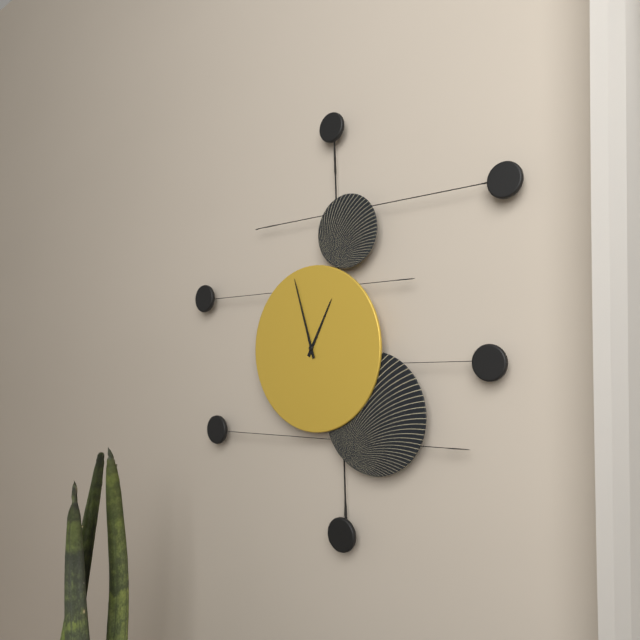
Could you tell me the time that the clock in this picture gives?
12:57
